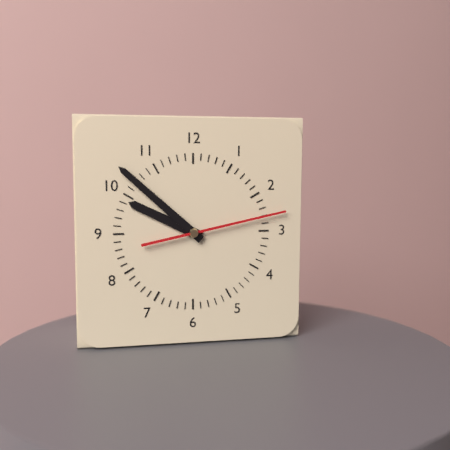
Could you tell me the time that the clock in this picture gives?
9:52:13
